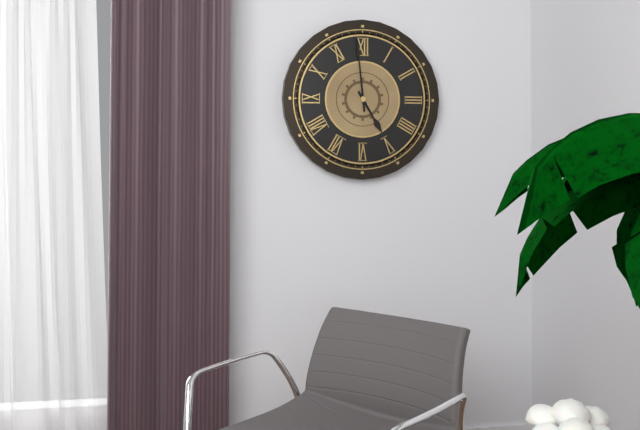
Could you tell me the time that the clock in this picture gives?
4:59
